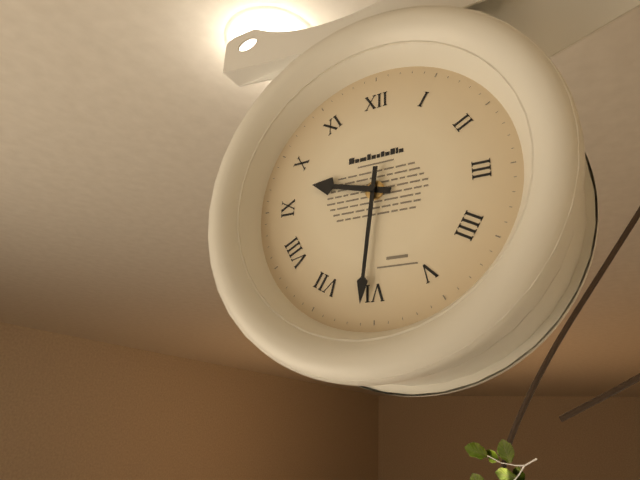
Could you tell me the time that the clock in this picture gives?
9:31
